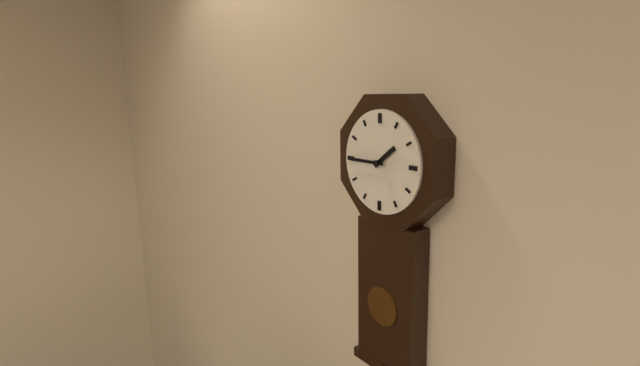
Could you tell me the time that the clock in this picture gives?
1:45
